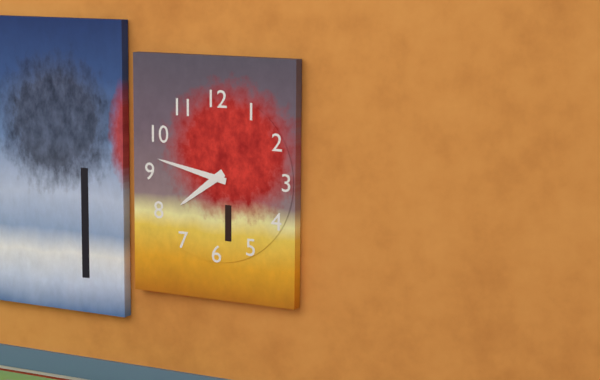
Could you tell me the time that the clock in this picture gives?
7:47
